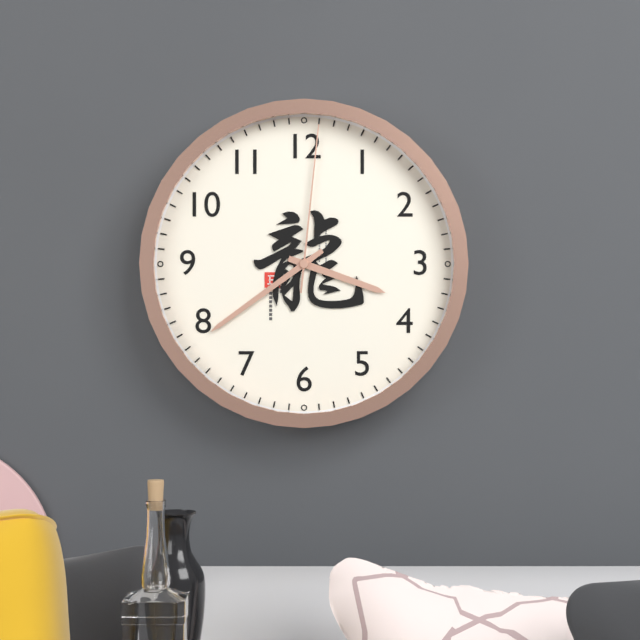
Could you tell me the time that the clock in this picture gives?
3:39:01
